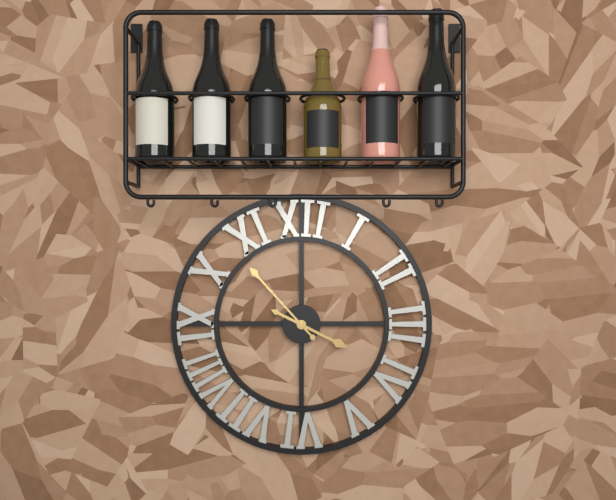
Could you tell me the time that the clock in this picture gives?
3:53
